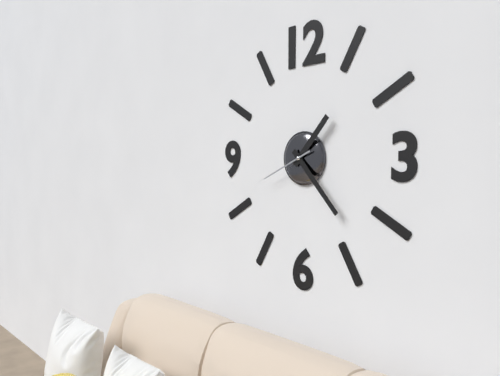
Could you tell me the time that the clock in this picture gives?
1:23
